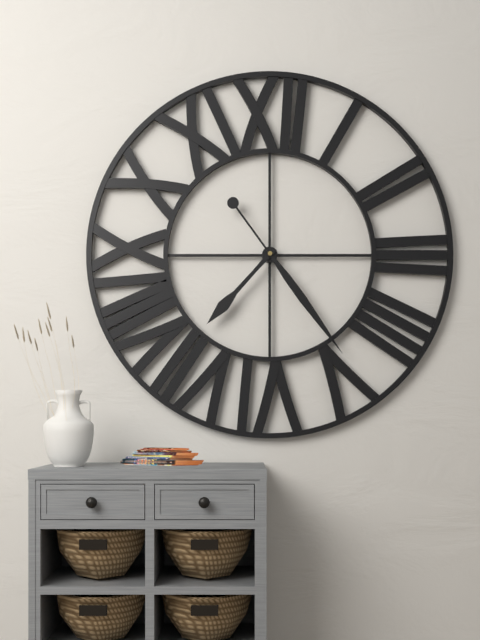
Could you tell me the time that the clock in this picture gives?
7:24
